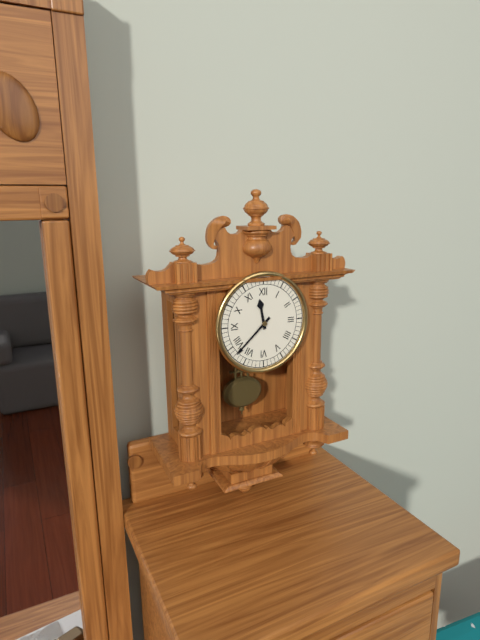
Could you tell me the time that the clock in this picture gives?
11:38
